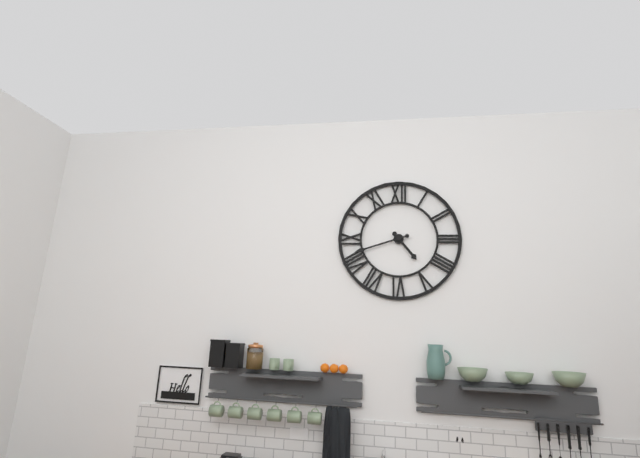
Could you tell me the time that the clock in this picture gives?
4:42
